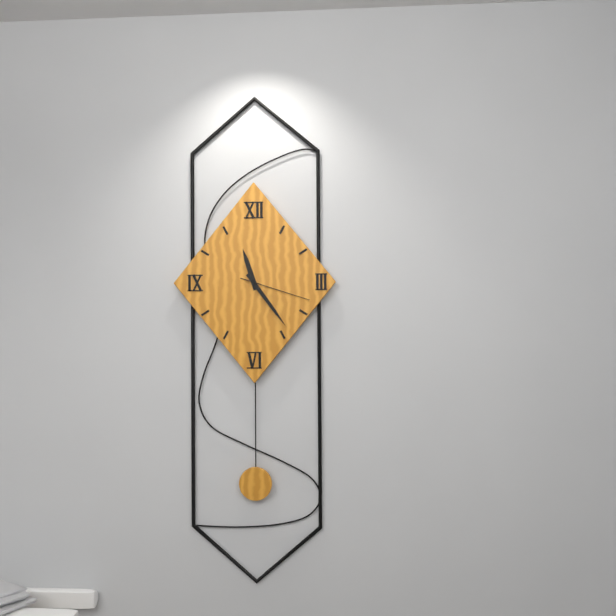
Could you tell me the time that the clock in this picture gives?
11:24:18
